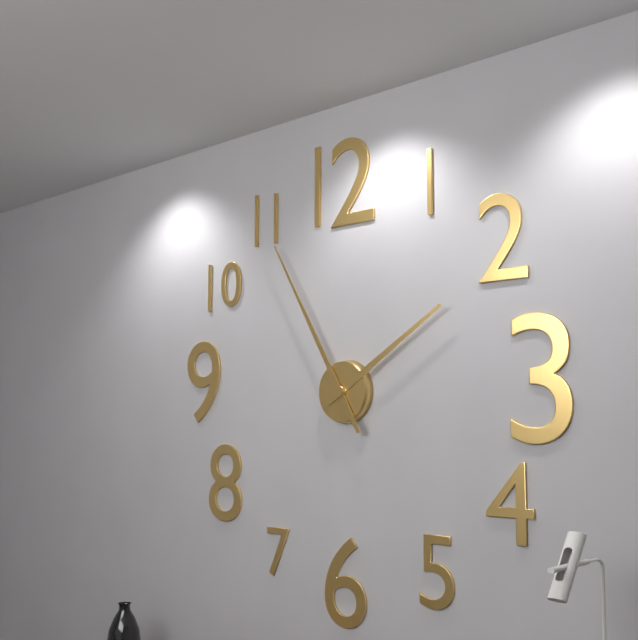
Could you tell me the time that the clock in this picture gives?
1:55
